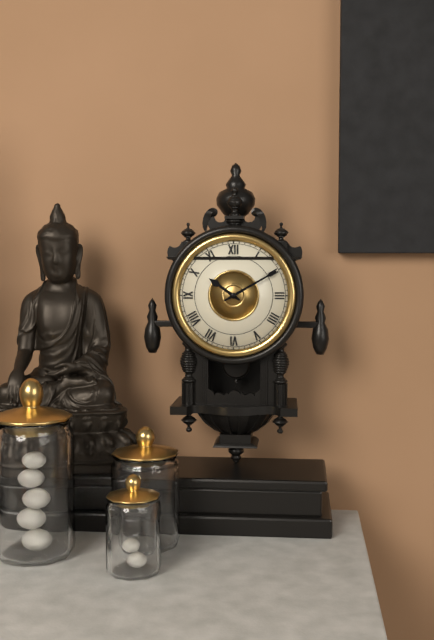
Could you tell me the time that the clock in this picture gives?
10:10
